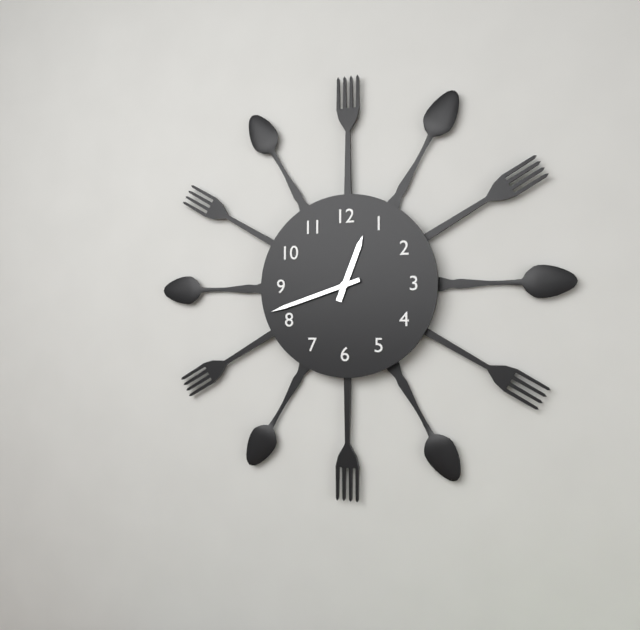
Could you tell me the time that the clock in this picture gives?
12:42
